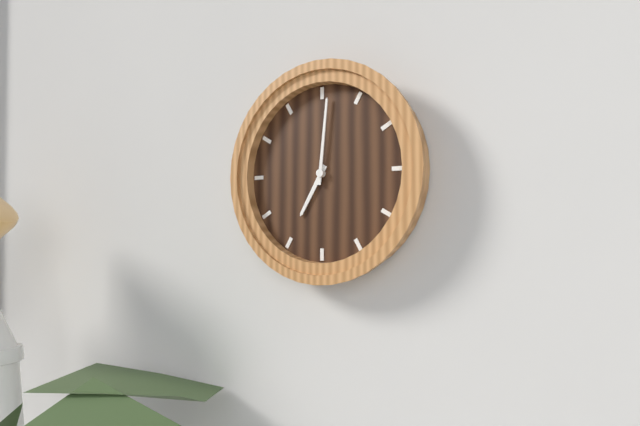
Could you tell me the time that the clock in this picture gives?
7:01
